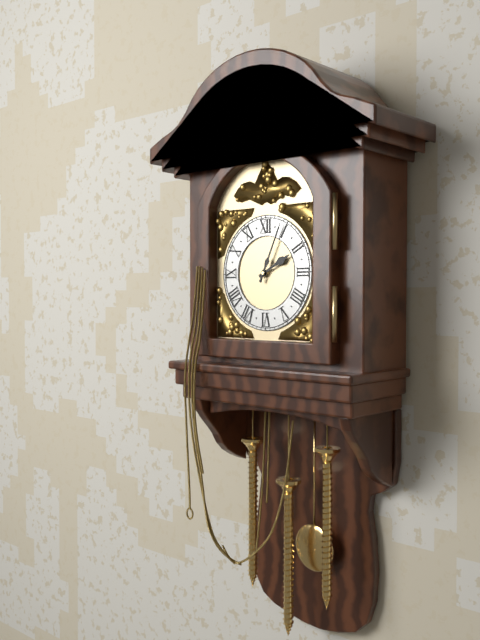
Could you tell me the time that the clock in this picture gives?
2:04
